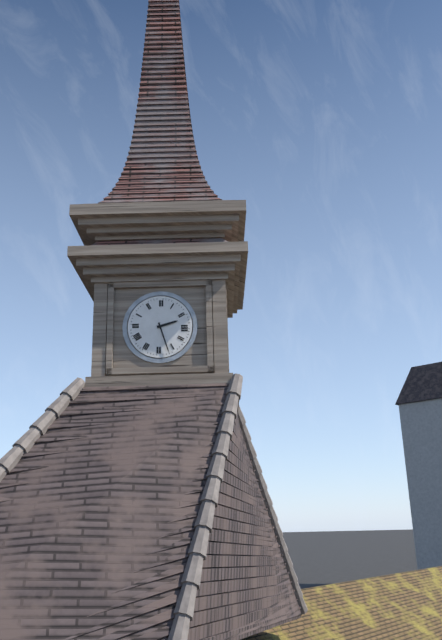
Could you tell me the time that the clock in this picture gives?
2:27
